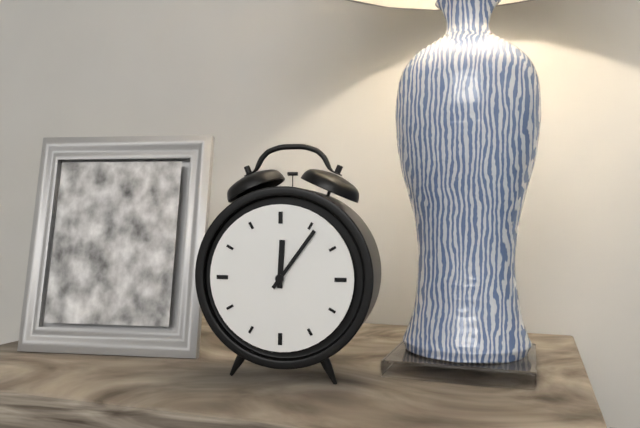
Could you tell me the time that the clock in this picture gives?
12:06
